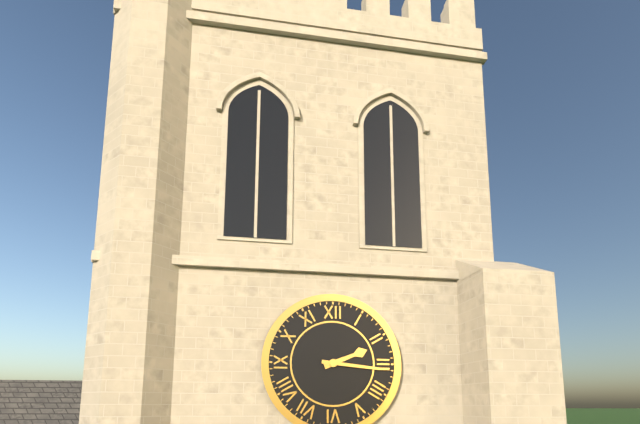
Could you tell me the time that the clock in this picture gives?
2:16
